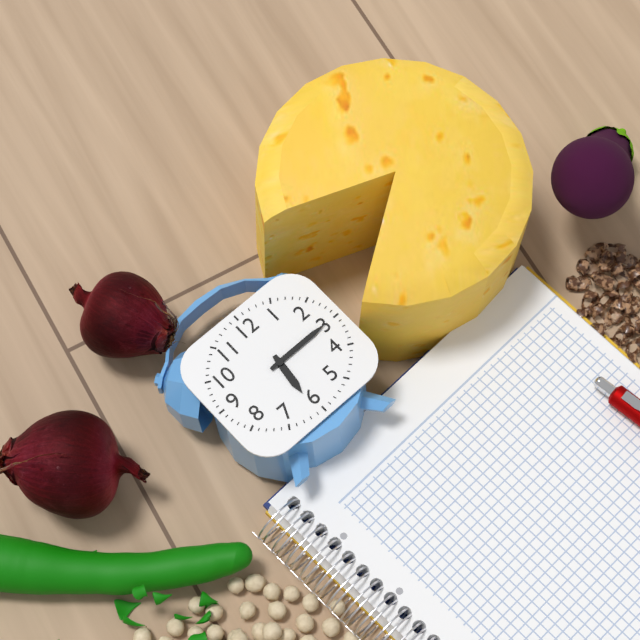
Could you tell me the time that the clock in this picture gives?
6:15
